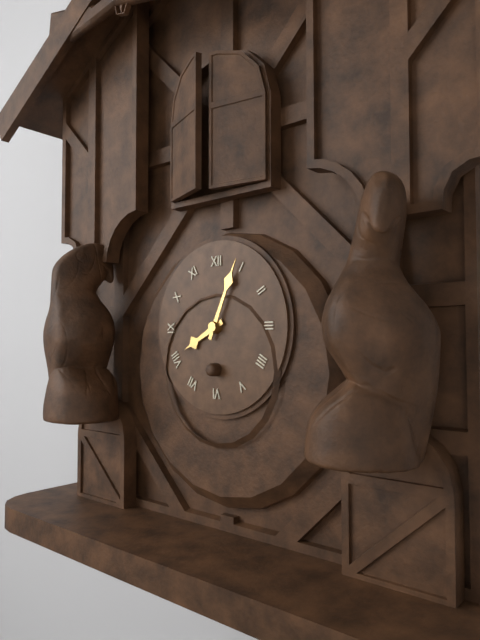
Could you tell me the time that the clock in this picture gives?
8:04
